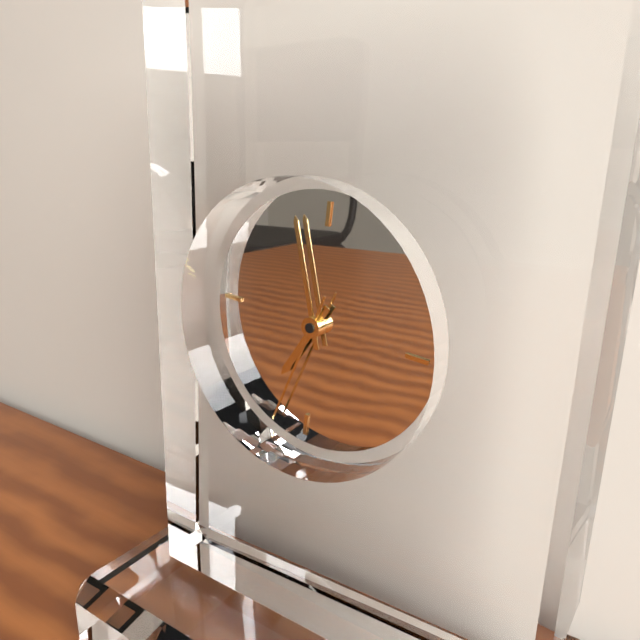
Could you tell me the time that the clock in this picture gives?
6:57:33
